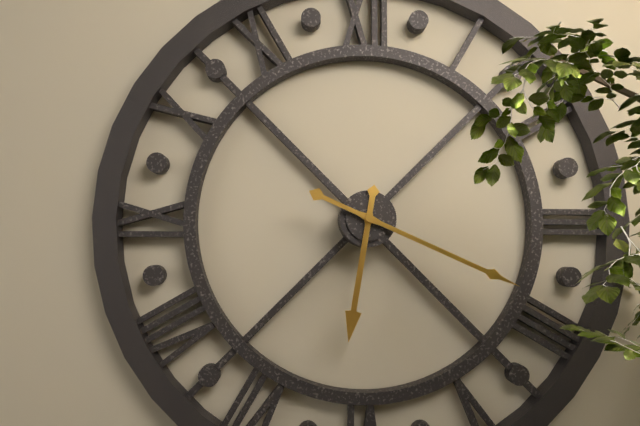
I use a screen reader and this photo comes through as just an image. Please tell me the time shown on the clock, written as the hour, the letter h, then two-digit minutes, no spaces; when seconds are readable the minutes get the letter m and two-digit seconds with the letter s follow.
6h19
